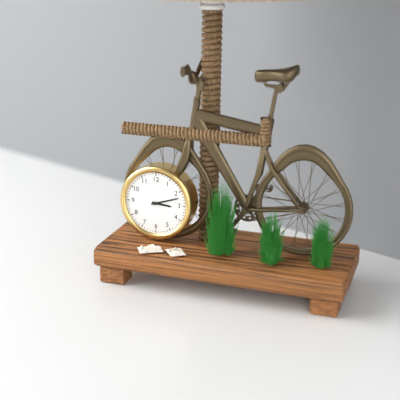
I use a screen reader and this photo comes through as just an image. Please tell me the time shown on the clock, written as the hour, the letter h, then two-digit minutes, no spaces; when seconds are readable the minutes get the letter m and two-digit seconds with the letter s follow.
3h12
